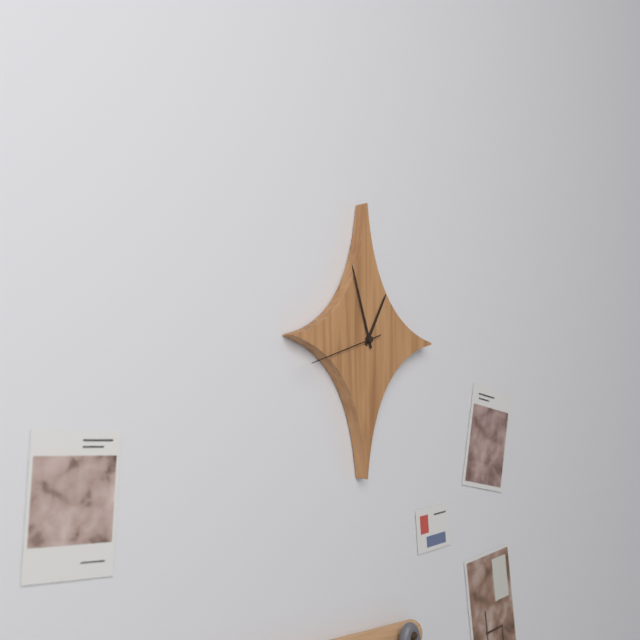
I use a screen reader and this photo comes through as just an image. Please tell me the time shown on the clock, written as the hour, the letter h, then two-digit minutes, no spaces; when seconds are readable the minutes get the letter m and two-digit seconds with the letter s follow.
12h57m42s
